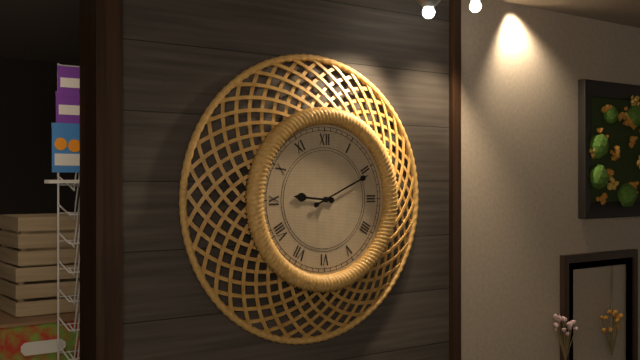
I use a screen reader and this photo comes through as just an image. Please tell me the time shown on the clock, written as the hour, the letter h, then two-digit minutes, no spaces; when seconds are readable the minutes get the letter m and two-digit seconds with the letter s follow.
9h11
